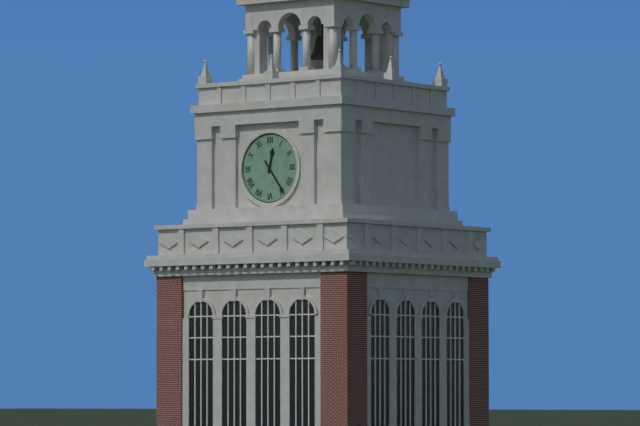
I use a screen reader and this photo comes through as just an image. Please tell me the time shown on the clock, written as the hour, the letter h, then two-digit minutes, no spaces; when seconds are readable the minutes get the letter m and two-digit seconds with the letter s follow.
12h24
